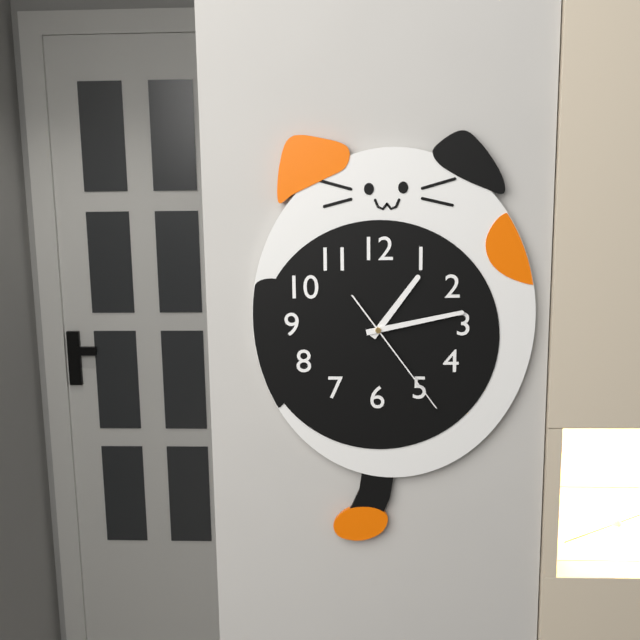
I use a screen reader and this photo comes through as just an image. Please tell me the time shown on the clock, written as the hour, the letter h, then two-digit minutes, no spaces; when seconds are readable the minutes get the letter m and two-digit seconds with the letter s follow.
1h13m24s
